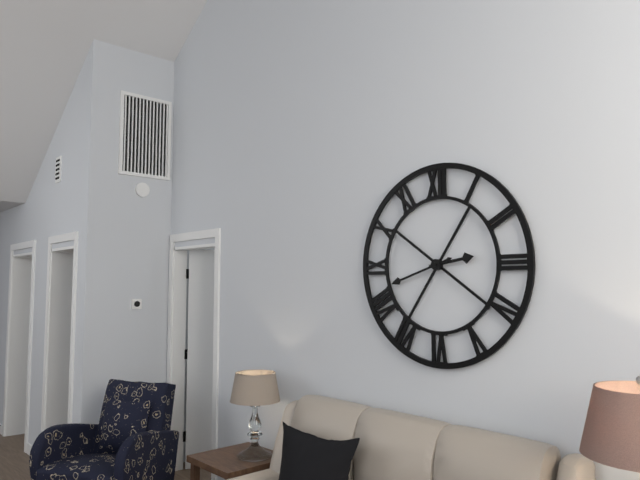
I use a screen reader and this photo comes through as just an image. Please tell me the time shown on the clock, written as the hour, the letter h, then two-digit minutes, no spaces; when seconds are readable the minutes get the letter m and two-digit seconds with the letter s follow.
2h42
